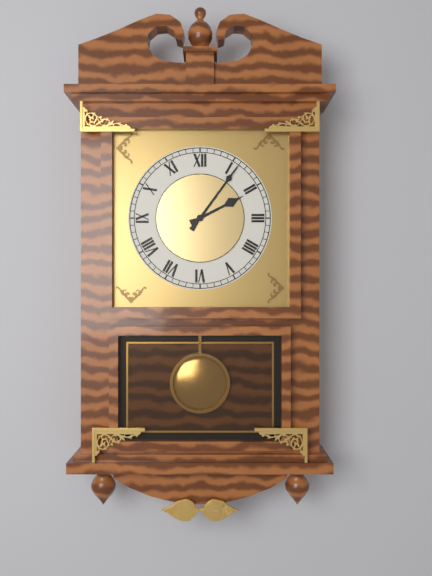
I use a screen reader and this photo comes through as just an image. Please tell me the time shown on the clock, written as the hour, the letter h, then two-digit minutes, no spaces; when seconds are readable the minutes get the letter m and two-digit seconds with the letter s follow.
2h06
